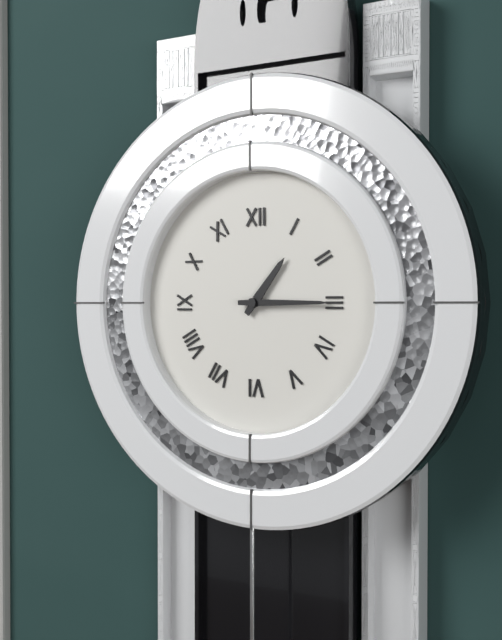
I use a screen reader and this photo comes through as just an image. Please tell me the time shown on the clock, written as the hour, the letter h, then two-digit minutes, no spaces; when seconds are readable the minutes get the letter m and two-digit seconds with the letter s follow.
1h15
